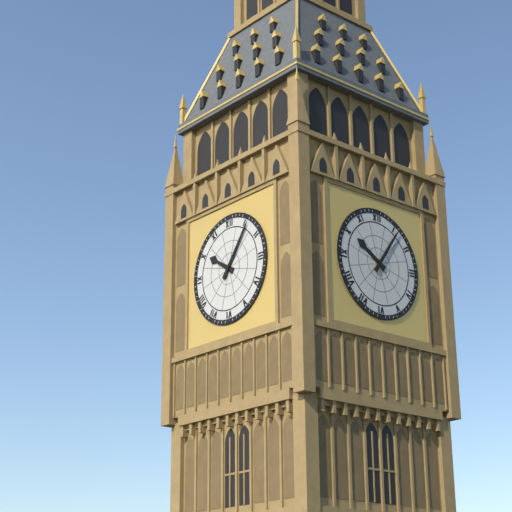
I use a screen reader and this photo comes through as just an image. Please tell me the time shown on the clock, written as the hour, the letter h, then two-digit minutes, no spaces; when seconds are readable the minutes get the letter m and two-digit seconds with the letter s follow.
10h06
